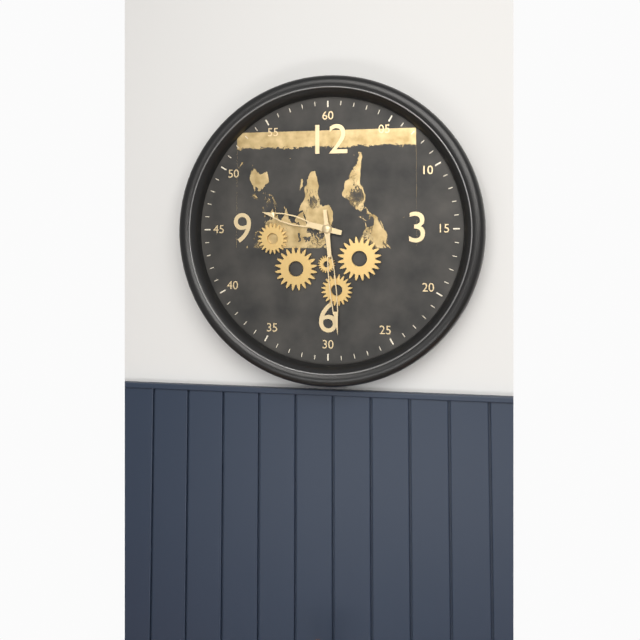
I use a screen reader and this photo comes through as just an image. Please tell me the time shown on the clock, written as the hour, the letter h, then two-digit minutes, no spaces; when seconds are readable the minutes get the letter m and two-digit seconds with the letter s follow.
9h29
